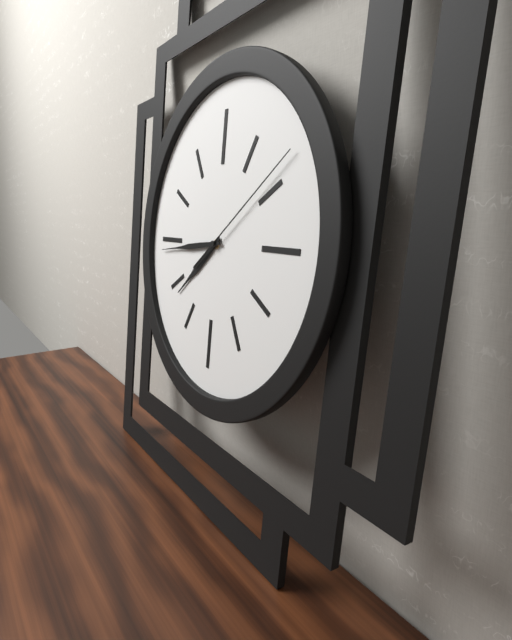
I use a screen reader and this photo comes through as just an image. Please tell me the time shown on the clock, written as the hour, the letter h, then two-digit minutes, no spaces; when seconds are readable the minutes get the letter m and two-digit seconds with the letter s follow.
7h44m09s
